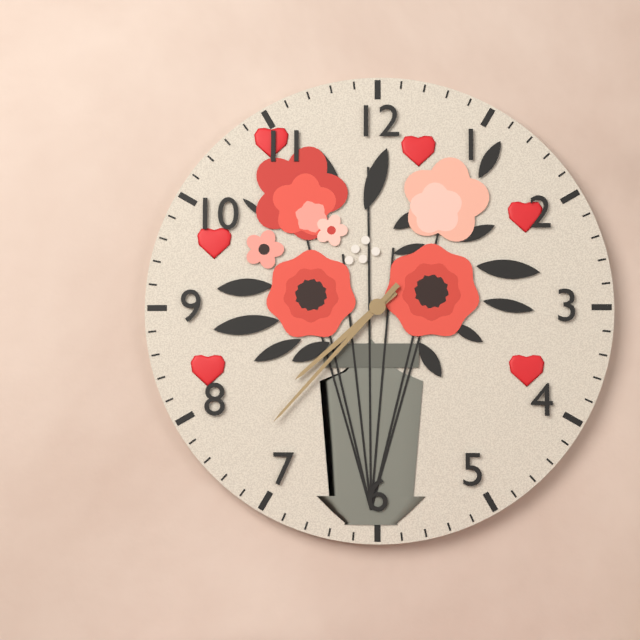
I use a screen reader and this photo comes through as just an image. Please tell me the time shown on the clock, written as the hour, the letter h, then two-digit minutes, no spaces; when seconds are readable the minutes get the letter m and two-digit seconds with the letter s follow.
7h37
